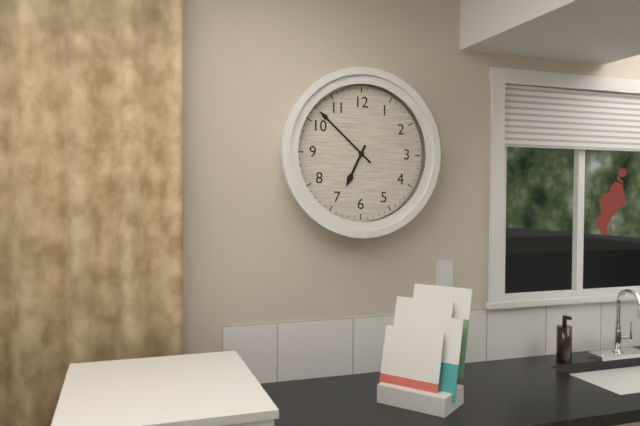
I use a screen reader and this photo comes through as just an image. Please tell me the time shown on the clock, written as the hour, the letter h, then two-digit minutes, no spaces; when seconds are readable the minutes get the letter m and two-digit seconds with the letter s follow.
6h52
